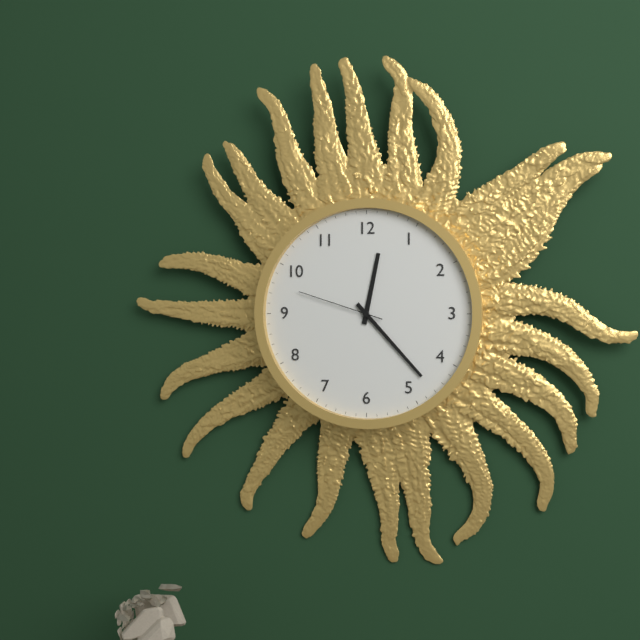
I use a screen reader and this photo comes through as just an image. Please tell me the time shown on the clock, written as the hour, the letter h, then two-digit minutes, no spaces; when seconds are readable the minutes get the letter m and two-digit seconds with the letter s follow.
12h23m48s
